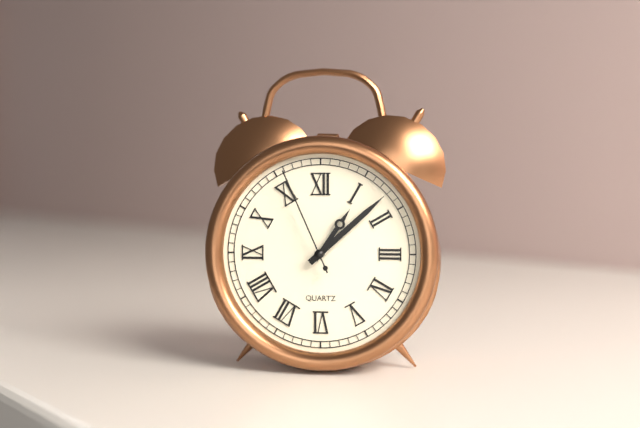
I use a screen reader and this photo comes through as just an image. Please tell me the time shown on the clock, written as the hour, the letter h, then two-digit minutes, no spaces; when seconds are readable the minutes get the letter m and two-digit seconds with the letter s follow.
1h08m56s
